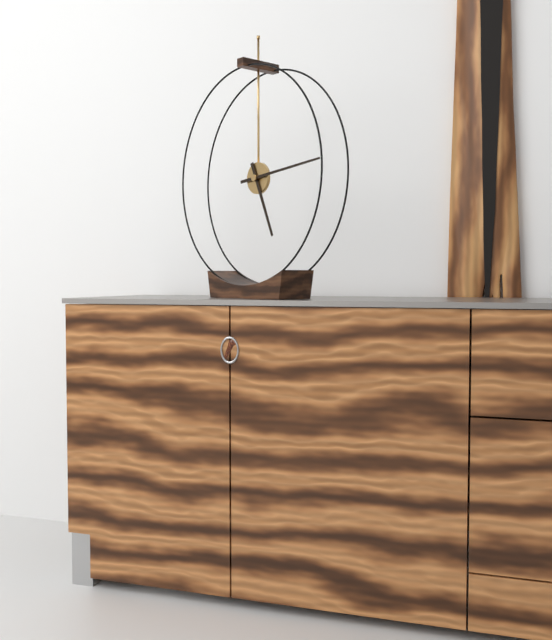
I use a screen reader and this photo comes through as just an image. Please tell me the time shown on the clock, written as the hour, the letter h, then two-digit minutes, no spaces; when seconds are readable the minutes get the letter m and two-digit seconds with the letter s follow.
5h14
